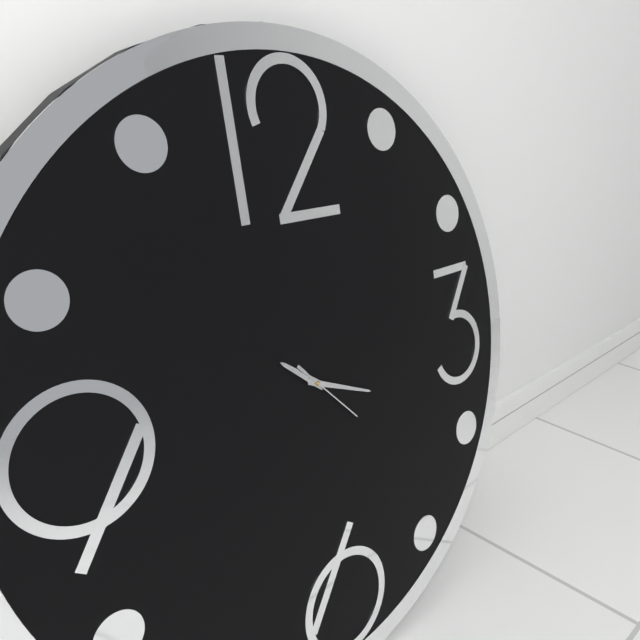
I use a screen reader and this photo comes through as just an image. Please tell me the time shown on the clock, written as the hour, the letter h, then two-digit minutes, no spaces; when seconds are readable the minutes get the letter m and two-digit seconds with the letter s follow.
10h19m23s
